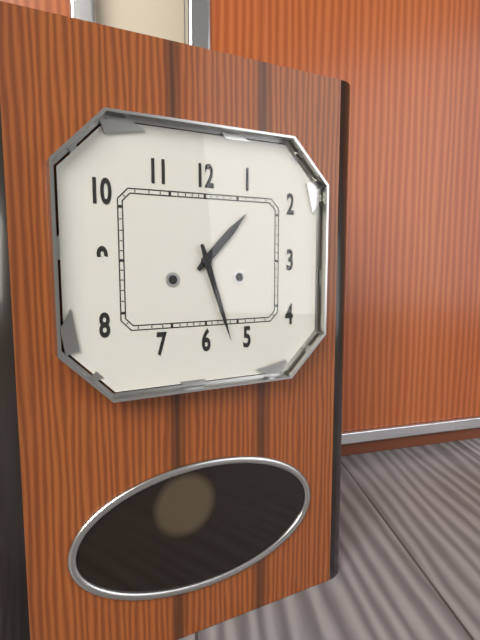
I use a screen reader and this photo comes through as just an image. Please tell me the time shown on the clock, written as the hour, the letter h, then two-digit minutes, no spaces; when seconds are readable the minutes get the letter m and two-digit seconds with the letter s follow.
1h27
